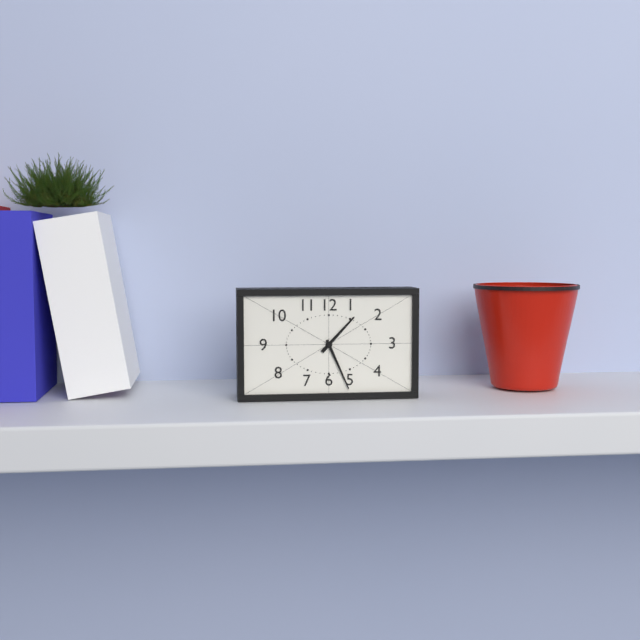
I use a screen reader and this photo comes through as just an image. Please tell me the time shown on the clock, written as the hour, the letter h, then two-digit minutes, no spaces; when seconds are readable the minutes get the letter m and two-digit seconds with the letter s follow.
1h26
